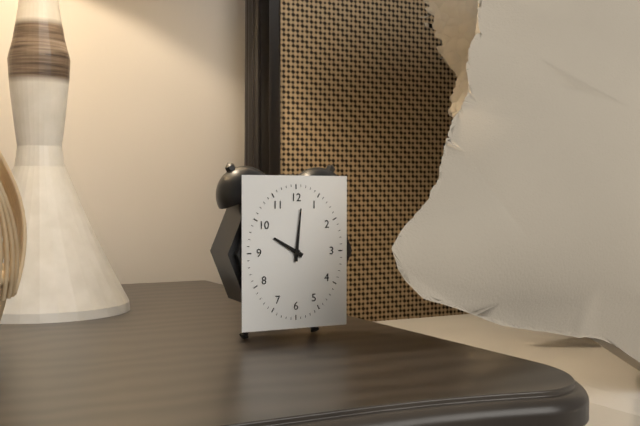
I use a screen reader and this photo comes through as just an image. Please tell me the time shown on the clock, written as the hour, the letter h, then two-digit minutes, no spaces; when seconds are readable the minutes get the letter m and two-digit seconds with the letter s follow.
10h01
